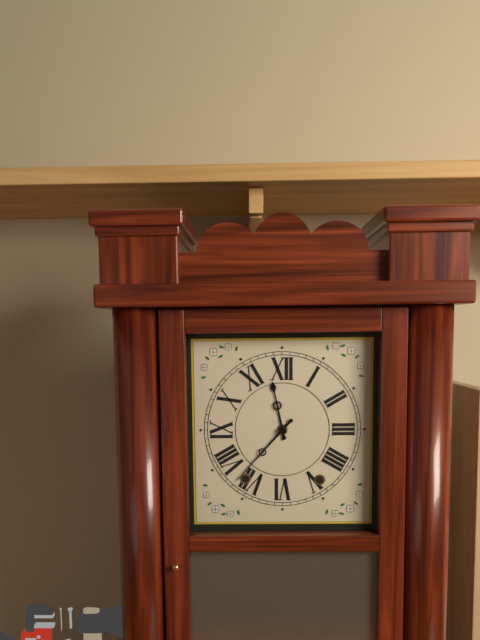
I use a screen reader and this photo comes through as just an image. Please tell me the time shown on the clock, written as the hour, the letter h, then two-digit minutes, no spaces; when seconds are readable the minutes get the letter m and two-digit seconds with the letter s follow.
11h37
